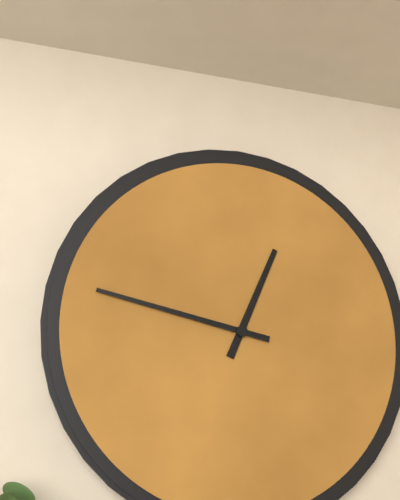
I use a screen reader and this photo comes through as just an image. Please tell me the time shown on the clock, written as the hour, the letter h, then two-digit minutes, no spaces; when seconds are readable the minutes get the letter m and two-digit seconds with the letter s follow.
12h47
